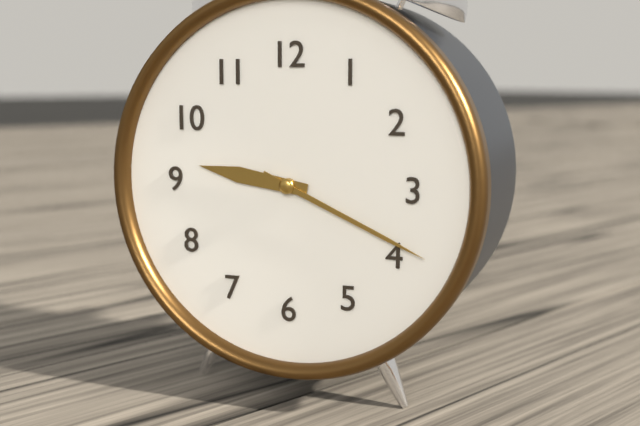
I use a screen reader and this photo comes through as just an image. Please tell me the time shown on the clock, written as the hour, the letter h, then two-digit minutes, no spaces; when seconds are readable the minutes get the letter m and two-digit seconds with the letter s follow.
9h19
